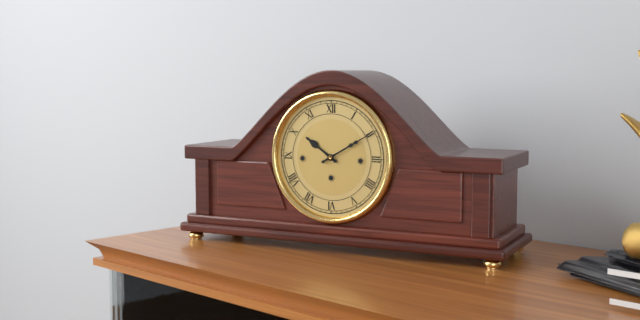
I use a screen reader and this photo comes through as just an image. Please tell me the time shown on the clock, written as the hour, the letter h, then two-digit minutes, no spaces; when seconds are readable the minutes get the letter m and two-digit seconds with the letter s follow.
10h10
